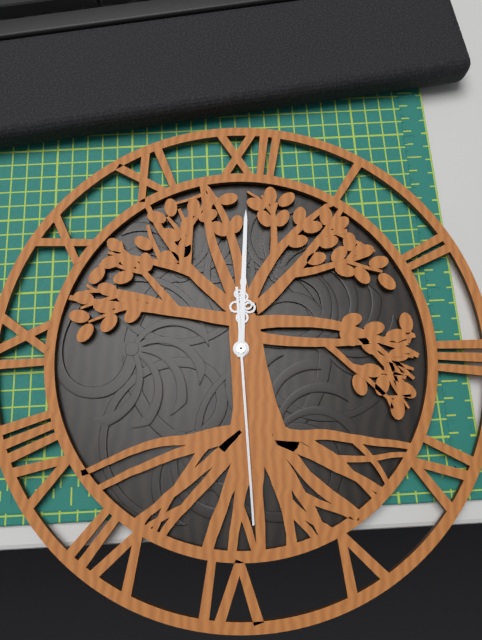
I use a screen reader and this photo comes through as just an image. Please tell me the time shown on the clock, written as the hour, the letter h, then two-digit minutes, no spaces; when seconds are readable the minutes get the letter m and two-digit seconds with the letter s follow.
12h00m29s
